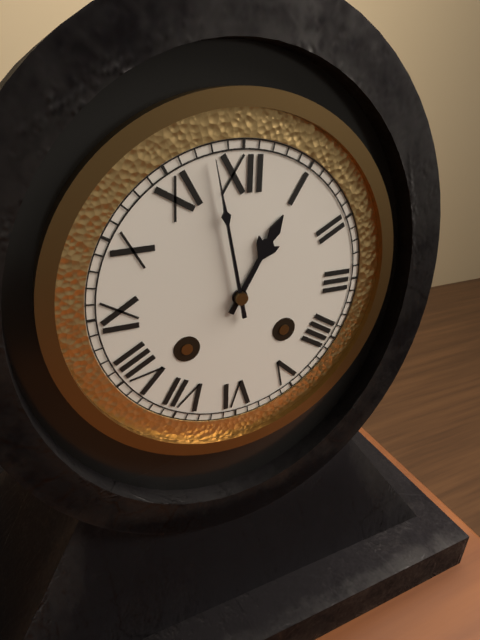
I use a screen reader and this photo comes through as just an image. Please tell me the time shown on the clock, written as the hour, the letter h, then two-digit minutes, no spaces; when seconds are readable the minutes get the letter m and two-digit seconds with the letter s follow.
12h58
